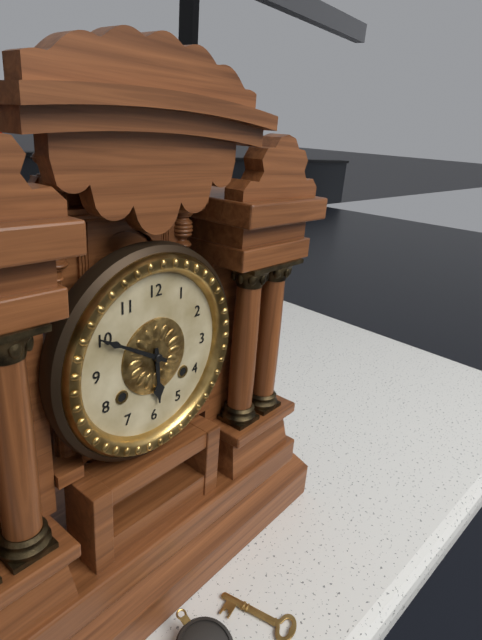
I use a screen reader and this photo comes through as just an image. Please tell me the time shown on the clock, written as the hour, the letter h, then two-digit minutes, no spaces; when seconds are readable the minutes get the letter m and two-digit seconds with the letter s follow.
5h50
